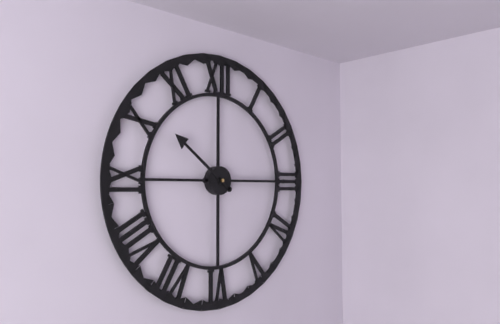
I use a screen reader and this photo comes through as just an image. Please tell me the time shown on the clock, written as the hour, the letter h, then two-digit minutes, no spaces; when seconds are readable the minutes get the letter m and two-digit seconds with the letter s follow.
10h15
